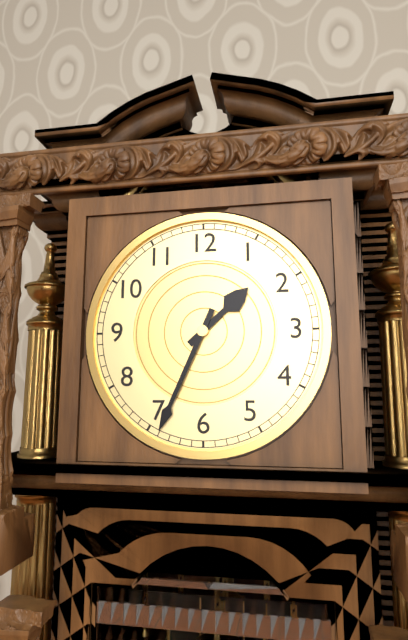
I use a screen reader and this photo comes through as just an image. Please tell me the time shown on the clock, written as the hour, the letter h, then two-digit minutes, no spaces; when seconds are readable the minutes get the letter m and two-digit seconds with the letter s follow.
1h34
